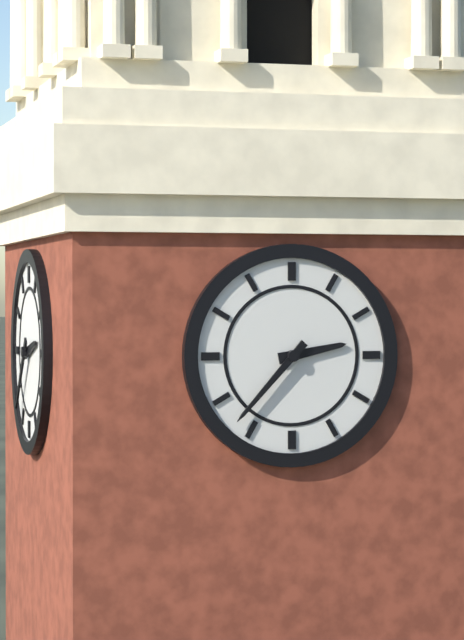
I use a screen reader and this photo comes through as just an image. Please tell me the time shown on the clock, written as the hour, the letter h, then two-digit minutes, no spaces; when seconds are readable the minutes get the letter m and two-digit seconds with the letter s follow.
2h37
